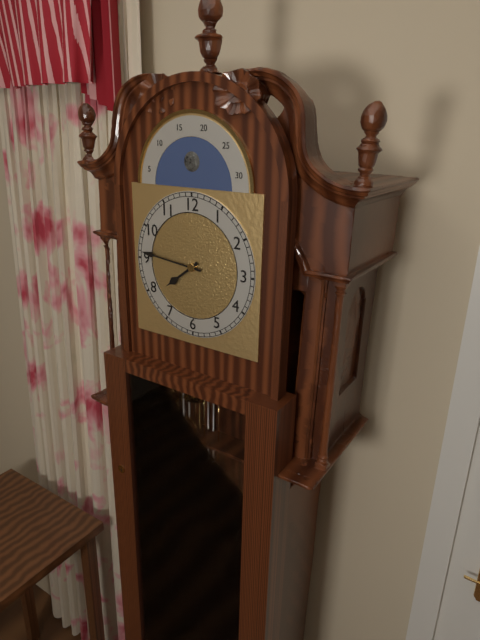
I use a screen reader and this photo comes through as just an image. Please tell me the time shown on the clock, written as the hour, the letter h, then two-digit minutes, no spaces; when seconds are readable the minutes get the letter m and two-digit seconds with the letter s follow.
7h46
